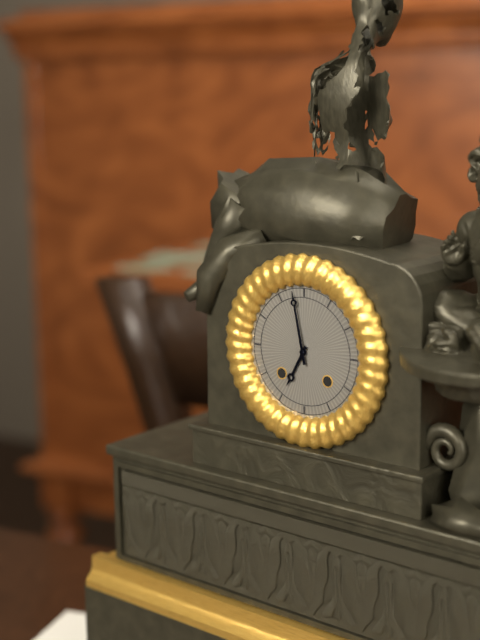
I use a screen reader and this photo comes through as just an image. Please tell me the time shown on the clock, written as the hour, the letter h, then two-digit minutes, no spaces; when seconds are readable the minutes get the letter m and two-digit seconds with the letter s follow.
6h58
